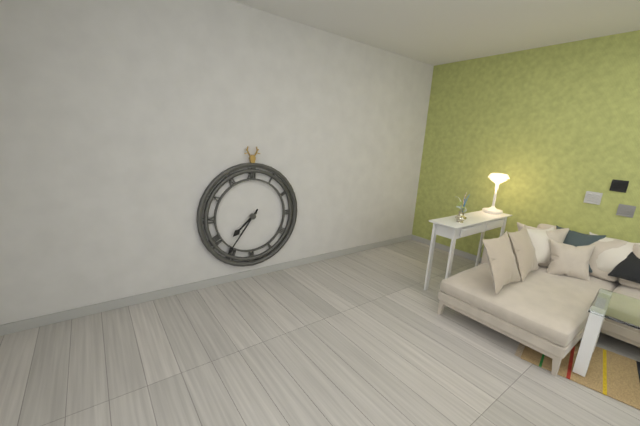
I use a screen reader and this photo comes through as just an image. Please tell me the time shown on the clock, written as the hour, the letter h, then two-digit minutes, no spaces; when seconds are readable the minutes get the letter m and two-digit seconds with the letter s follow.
7h36
